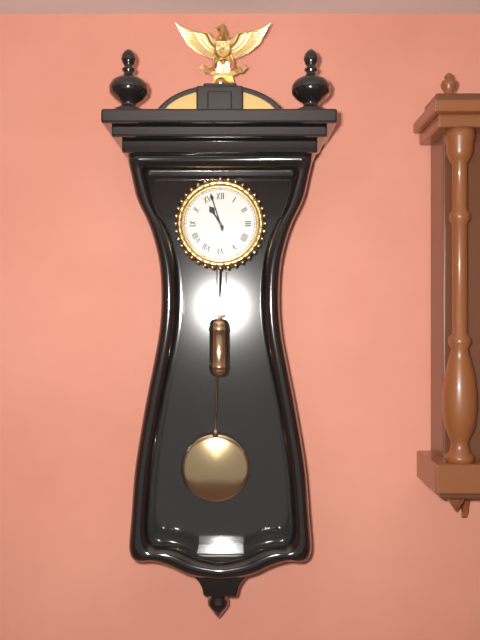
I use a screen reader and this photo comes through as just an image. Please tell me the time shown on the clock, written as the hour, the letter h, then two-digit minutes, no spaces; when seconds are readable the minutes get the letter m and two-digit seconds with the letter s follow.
10h57
